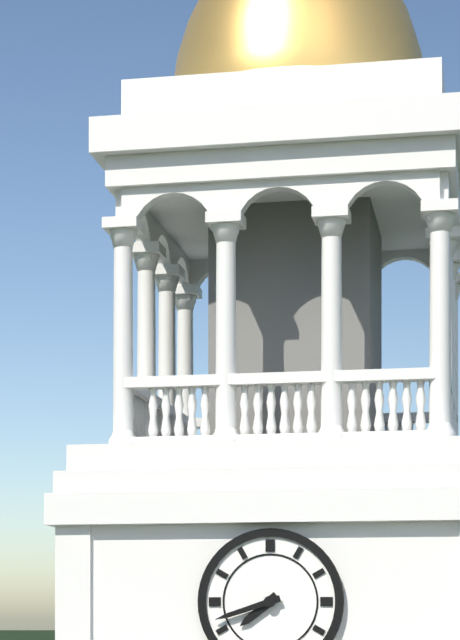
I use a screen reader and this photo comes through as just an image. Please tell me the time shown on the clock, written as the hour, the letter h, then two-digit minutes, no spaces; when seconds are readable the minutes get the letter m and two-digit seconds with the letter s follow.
7h42
